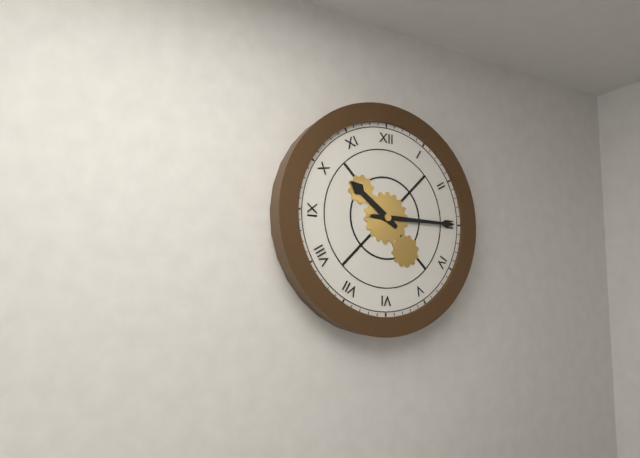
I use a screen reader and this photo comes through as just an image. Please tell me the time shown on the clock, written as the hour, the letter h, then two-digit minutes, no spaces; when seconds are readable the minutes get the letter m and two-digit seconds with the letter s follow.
10h15
